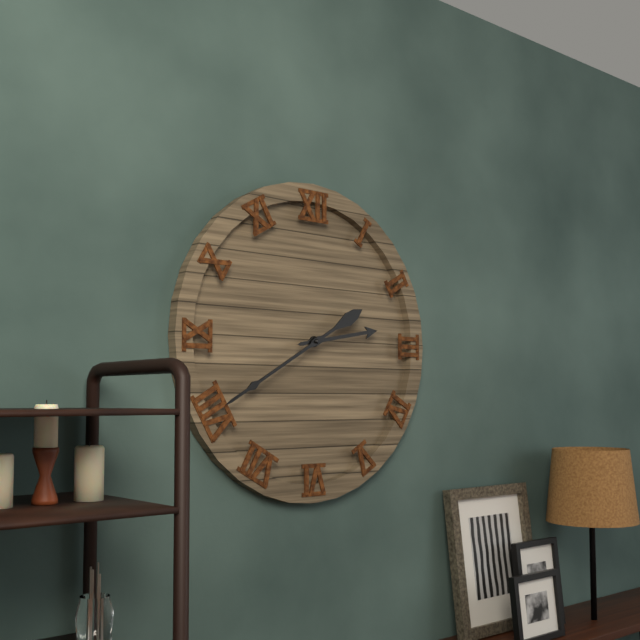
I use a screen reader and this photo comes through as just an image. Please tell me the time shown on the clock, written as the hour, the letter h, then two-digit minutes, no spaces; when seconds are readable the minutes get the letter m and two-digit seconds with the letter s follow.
2h40
